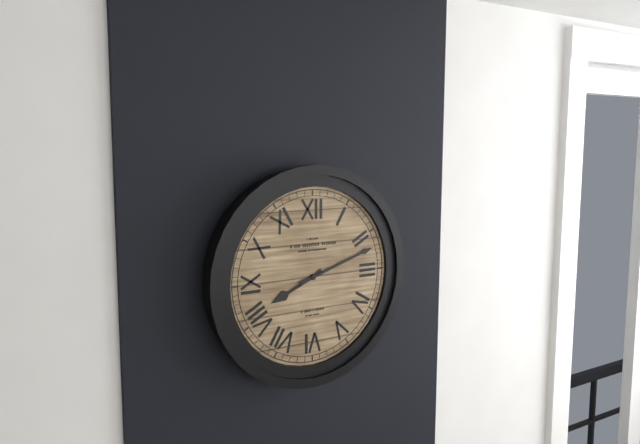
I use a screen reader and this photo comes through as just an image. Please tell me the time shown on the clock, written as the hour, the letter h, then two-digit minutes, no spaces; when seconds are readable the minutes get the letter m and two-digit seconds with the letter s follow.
8h12
